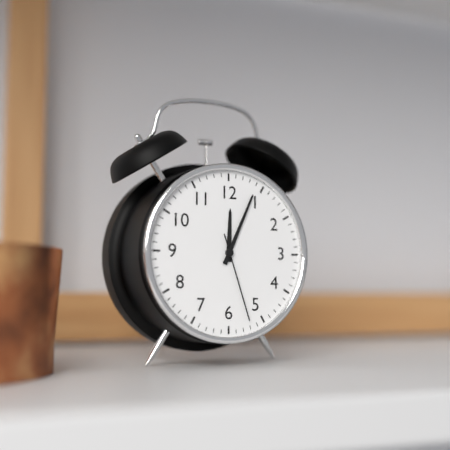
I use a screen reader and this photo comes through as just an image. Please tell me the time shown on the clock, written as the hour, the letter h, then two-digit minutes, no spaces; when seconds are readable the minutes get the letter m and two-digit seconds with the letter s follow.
12h04m27s
